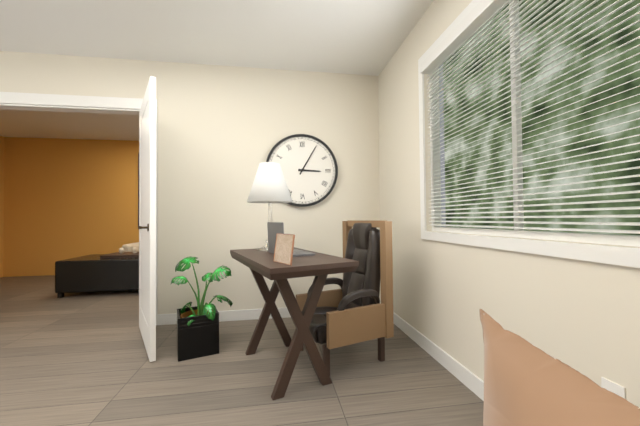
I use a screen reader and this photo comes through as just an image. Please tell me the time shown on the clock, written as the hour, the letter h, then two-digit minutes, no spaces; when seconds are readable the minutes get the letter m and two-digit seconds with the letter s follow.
3h05
